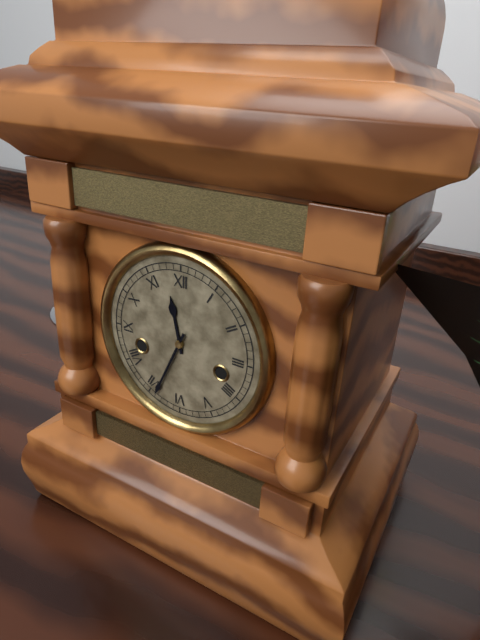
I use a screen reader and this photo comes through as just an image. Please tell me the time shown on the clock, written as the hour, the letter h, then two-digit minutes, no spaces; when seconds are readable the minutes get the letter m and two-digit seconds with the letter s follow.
11h34
